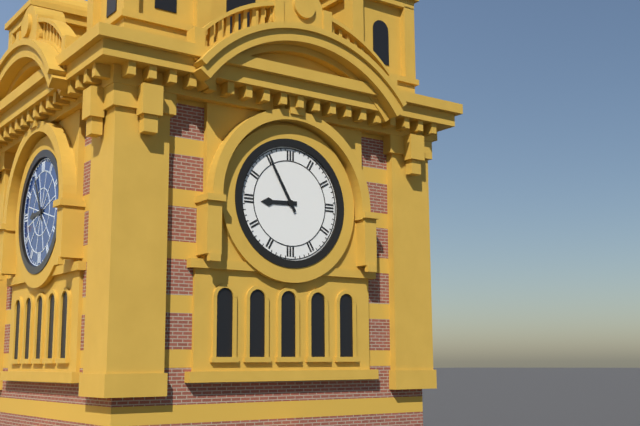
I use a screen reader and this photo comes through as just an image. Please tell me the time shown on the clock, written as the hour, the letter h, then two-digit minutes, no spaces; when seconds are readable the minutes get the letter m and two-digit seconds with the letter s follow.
8h55
